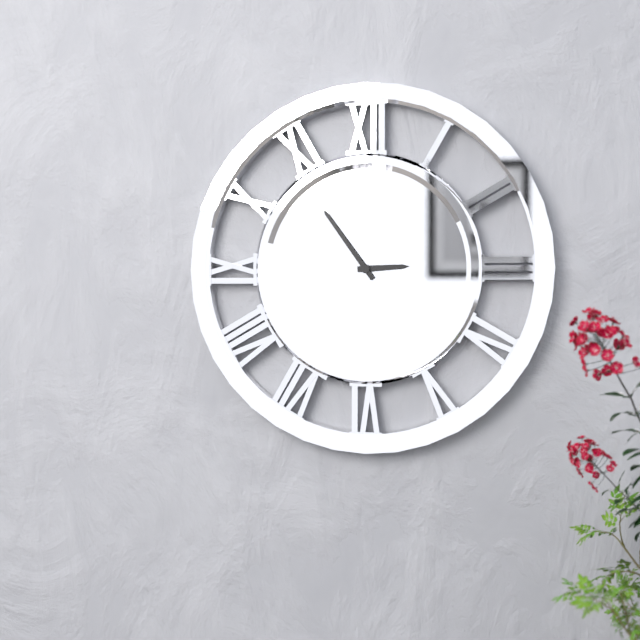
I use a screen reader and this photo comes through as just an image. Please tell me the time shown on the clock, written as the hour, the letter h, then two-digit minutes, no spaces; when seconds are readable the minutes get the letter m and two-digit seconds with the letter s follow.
2h54
